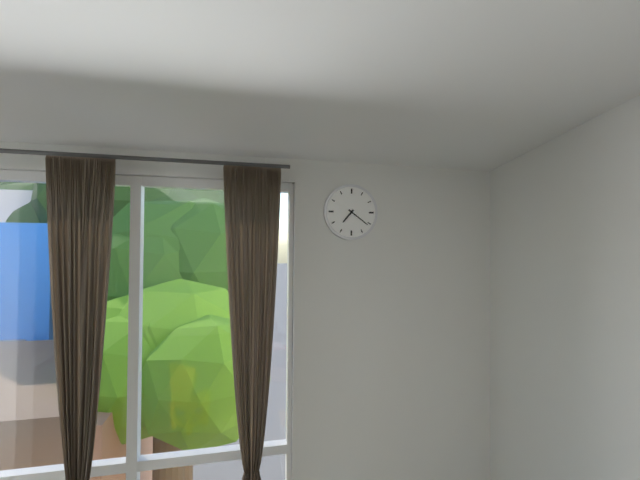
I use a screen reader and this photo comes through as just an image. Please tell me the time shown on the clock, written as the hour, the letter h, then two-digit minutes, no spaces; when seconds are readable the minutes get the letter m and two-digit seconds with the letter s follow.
7h21
